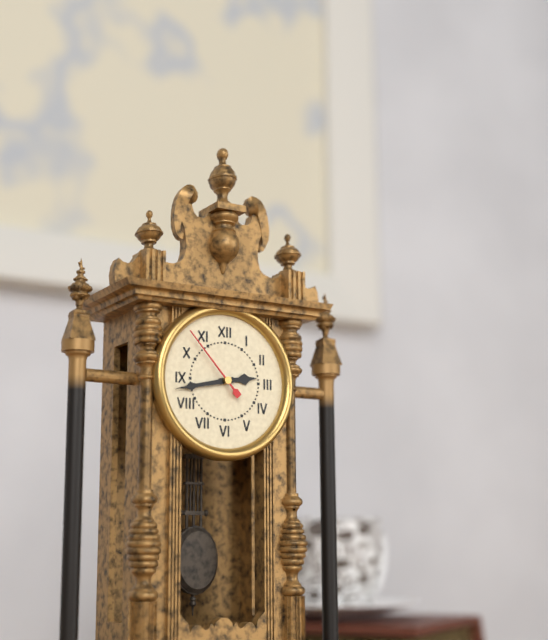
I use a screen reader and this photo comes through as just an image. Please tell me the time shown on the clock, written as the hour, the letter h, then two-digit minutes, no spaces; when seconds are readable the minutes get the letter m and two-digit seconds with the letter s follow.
2h43m53s
